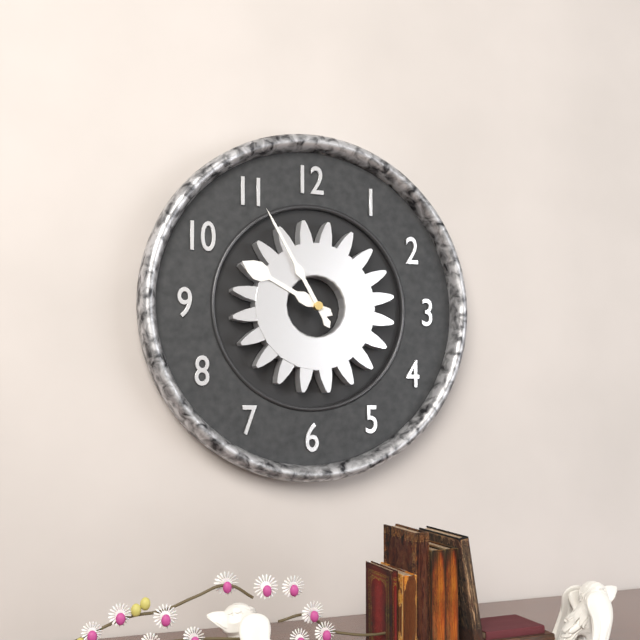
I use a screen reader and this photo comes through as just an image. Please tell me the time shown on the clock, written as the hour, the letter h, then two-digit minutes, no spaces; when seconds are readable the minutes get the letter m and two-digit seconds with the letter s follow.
9h55
